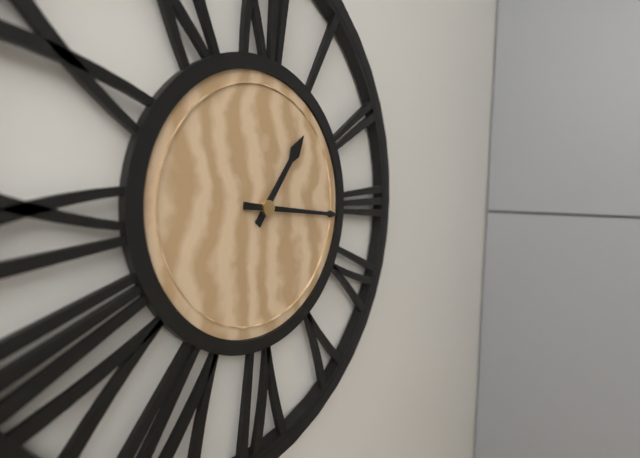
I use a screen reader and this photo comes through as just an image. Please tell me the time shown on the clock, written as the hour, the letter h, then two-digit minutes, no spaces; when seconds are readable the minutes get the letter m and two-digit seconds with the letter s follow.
1h16
